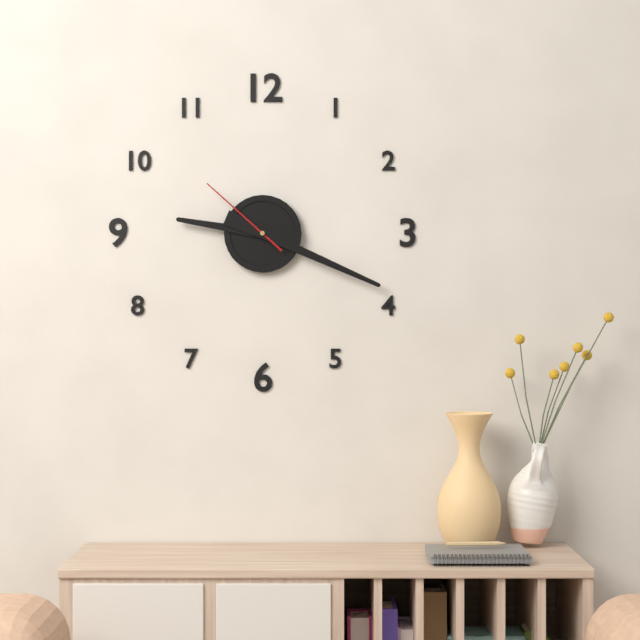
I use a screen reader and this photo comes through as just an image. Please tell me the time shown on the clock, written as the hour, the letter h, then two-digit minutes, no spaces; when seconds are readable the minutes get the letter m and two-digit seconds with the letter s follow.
9h19m52s
